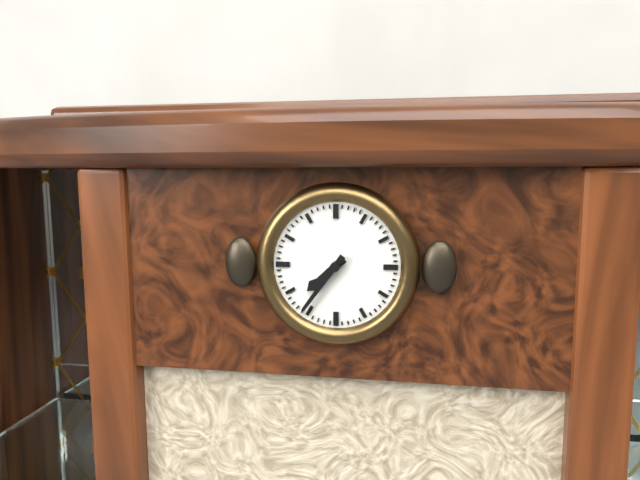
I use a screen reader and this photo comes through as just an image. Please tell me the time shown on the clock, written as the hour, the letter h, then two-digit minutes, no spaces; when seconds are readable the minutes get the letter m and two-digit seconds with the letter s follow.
7h36
